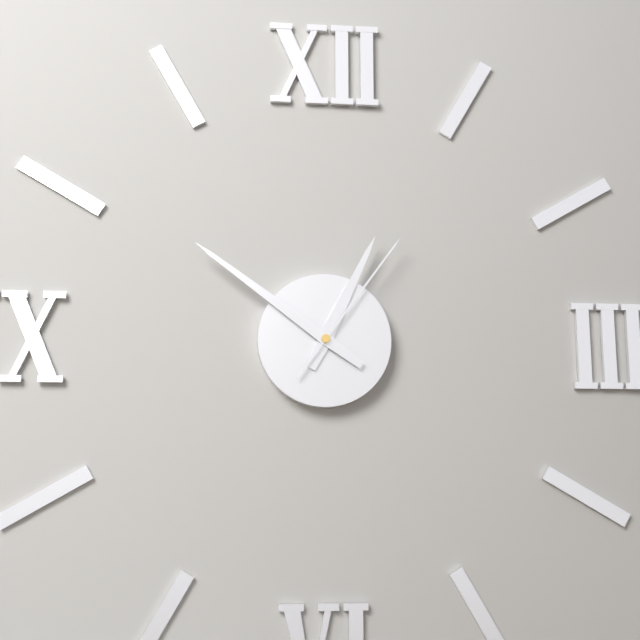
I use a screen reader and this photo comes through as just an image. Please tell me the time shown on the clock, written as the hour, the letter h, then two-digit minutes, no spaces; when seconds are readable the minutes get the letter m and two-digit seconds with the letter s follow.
12h51m06s
